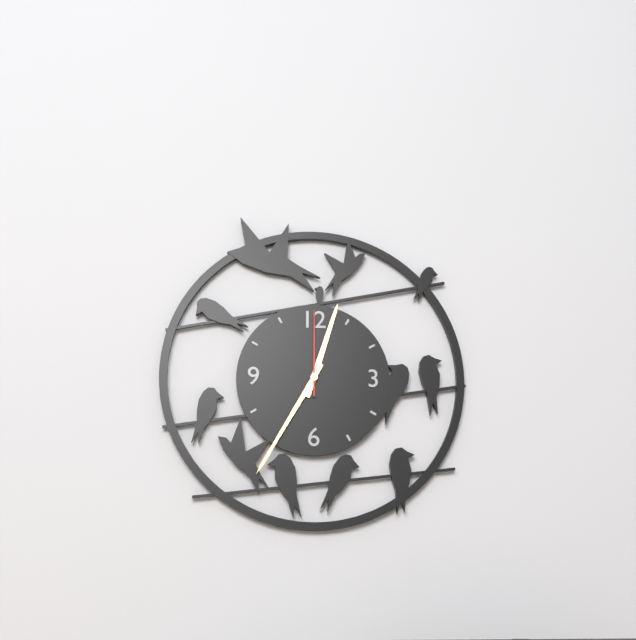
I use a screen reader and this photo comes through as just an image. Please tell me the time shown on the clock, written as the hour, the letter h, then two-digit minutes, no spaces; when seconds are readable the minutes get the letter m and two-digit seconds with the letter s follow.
12h35m00s
